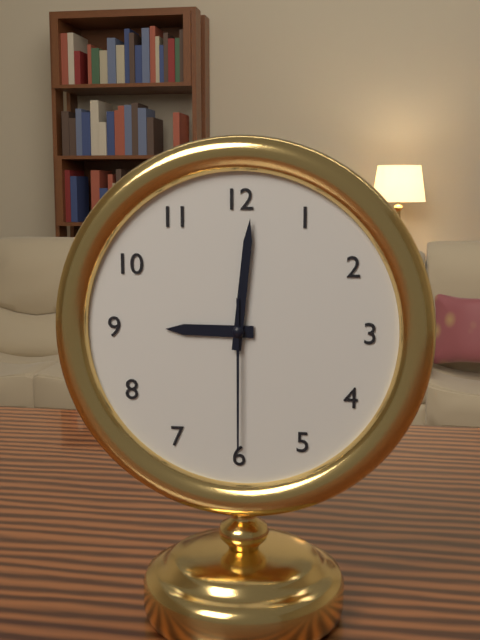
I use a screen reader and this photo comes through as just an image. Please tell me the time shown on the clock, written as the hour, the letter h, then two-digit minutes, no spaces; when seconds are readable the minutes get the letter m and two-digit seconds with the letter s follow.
9h01m30s
